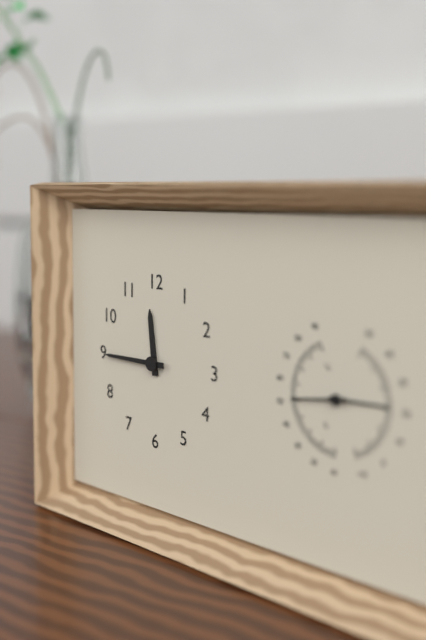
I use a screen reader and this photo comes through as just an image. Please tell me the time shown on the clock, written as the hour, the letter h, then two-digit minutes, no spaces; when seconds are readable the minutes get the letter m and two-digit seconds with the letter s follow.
11h45
